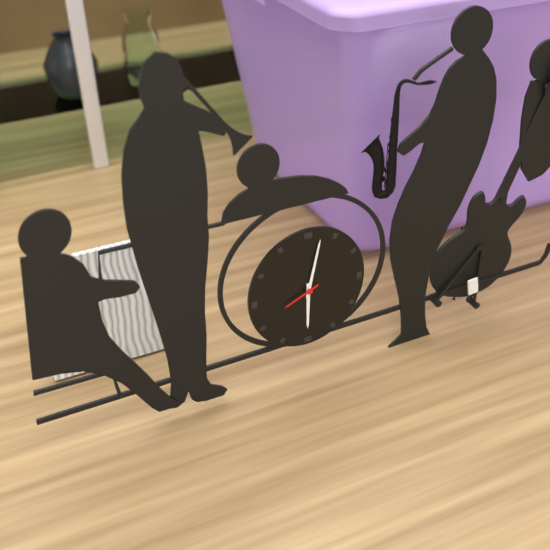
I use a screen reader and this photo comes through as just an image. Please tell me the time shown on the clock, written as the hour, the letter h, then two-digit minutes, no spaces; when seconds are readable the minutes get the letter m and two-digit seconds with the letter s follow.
6h02
